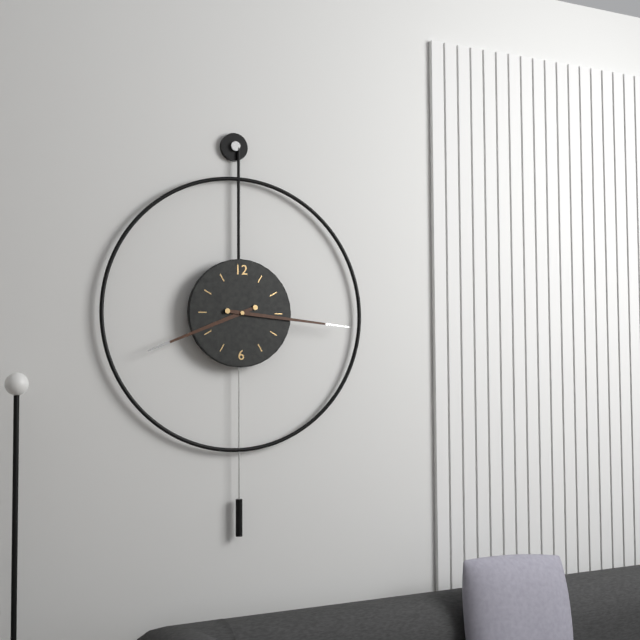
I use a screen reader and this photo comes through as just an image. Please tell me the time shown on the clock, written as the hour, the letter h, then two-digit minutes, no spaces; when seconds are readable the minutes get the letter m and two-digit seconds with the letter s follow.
8h16
